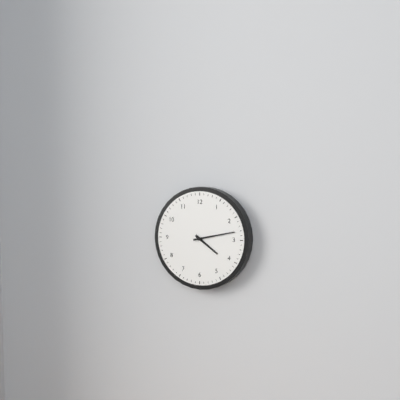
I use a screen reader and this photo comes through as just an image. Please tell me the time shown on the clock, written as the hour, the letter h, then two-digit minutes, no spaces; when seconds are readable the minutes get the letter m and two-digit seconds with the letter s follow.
4h13
